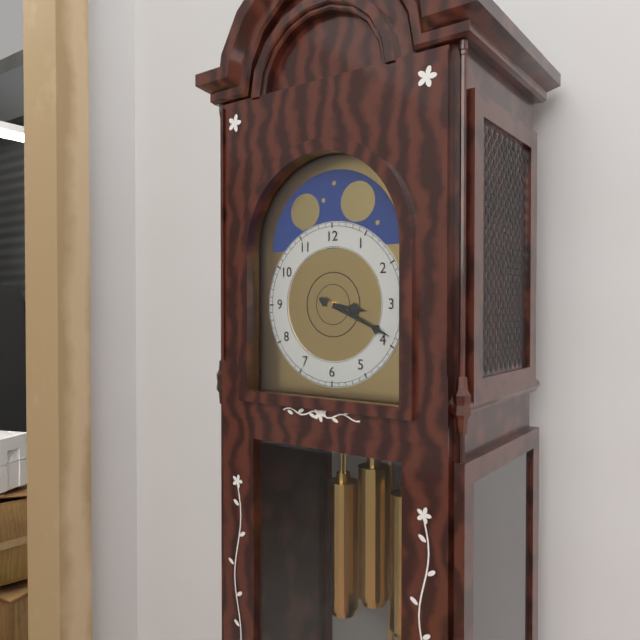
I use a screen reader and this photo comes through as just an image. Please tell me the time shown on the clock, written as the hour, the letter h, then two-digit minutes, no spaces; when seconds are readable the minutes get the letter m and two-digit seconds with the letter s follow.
3h19
